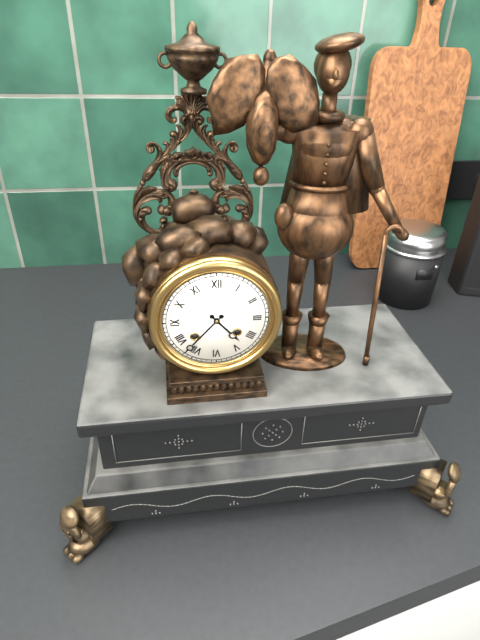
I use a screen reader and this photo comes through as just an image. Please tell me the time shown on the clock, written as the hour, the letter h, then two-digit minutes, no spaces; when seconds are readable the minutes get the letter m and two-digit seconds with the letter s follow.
4h37
